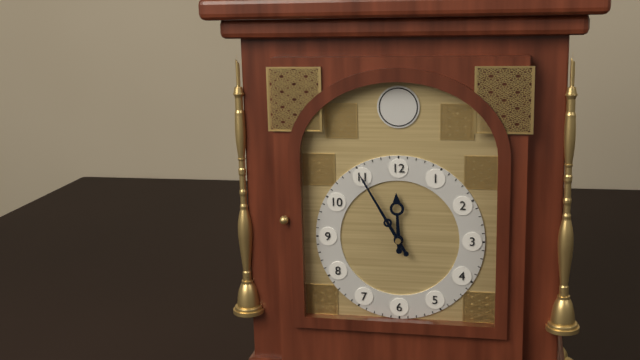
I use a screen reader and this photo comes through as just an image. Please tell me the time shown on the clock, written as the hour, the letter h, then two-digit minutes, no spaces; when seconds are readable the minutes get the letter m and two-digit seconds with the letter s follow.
11h55
